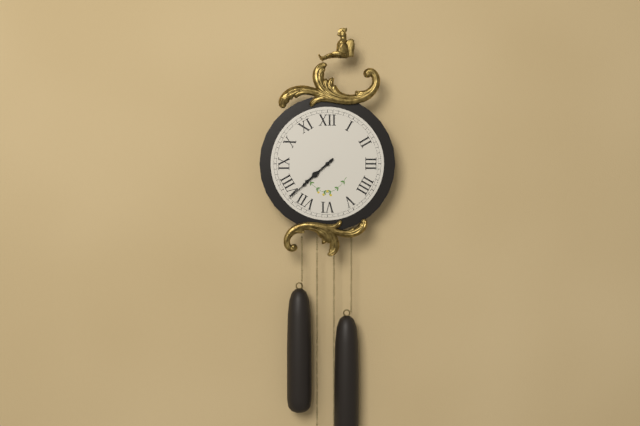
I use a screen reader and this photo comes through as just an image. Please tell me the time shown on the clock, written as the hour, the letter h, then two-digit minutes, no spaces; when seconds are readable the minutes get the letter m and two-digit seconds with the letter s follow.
7h38
